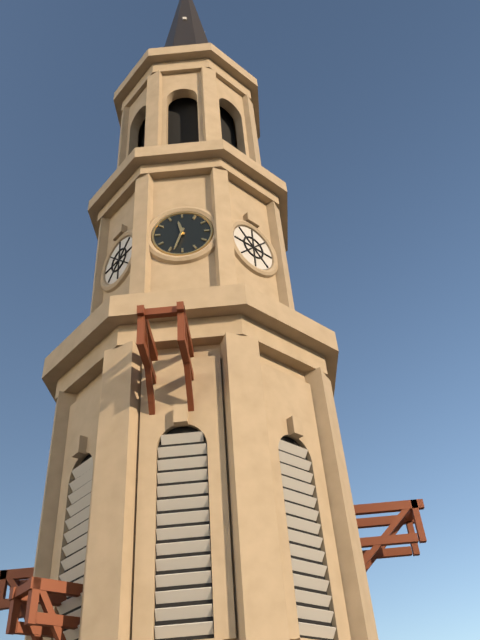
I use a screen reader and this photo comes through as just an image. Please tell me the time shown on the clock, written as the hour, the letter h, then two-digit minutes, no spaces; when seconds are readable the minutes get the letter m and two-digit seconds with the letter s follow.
11h33
